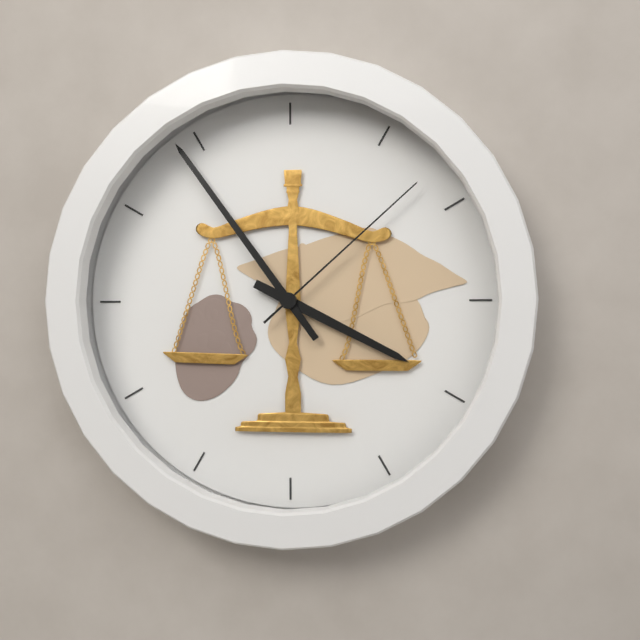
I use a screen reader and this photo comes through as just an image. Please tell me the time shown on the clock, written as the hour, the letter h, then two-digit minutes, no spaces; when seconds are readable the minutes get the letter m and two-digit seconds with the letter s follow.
3h54m08s
